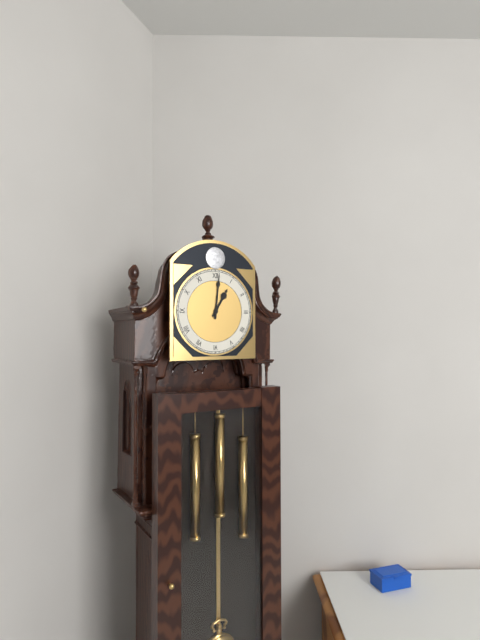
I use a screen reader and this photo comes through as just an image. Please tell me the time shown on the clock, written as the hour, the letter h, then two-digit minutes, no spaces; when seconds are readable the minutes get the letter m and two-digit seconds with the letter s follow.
1h01
